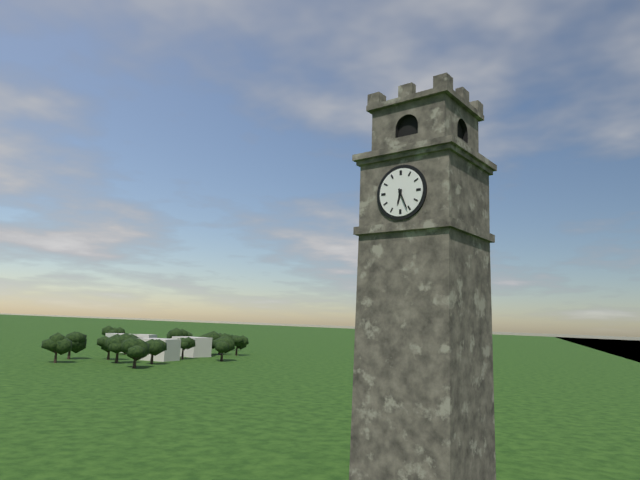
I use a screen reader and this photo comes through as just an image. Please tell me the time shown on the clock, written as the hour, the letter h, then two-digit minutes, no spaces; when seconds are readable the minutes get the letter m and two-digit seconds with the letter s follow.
6h26
